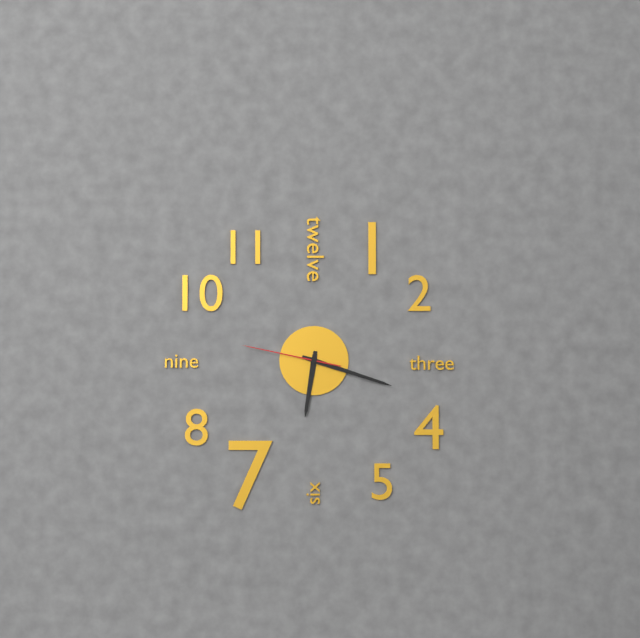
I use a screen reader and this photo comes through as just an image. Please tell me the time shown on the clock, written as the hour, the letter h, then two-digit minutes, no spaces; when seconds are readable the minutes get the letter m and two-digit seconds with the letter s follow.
6h18m47s
